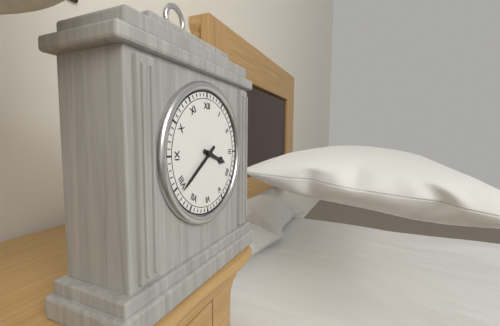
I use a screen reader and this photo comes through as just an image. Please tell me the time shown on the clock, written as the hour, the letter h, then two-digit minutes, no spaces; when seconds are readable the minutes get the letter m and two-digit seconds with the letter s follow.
3h39
